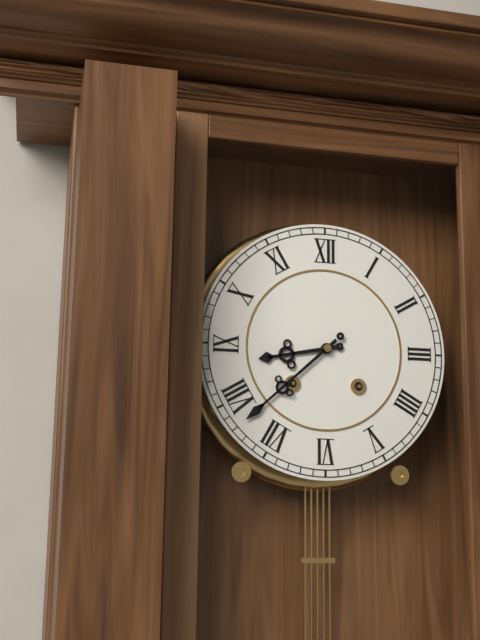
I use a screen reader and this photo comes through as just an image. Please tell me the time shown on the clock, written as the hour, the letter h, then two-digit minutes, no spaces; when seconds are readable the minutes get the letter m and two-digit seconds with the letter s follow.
8h38
